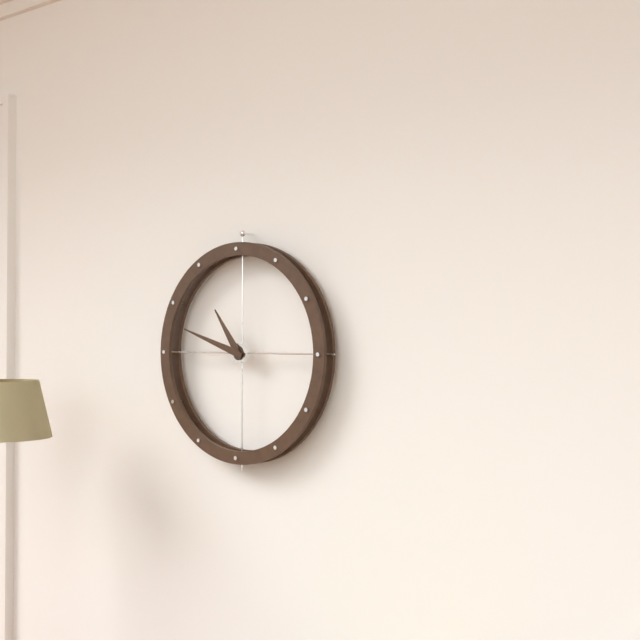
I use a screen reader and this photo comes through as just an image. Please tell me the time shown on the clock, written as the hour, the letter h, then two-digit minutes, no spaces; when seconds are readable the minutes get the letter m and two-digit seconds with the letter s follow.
10h48
